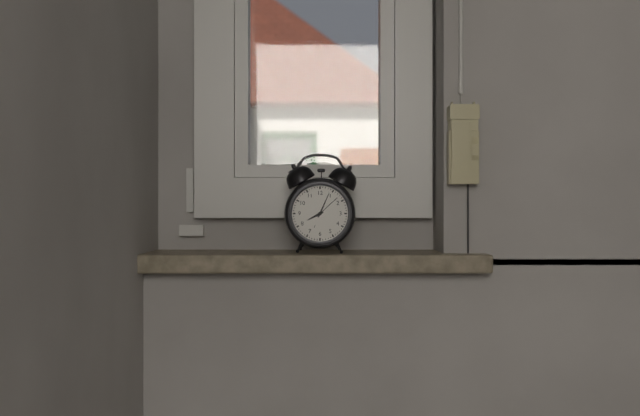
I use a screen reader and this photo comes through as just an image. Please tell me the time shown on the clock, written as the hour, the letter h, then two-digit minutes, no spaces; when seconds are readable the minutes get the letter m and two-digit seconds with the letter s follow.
8h04
